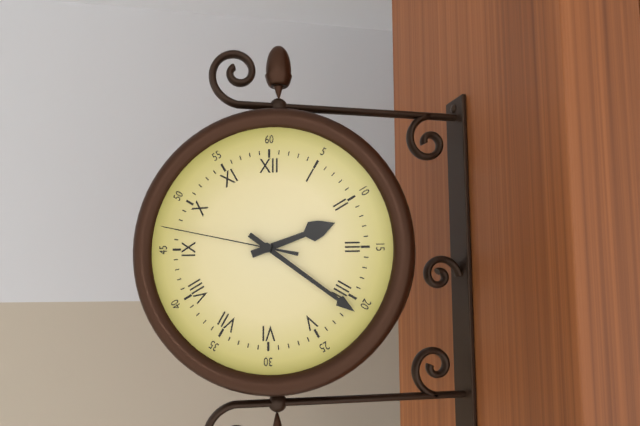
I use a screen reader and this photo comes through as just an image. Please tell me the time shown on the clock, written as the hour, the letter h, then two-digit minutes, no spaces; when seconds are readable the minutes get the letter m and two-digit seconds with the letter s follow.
2h21m47s
